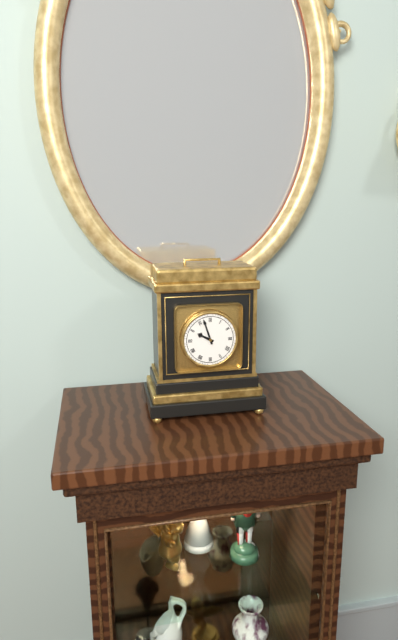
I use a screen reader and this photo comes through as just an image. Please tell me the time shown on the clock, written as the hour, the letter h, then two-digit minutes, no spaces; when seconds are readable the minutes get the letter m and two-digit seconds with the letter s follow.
9h57
